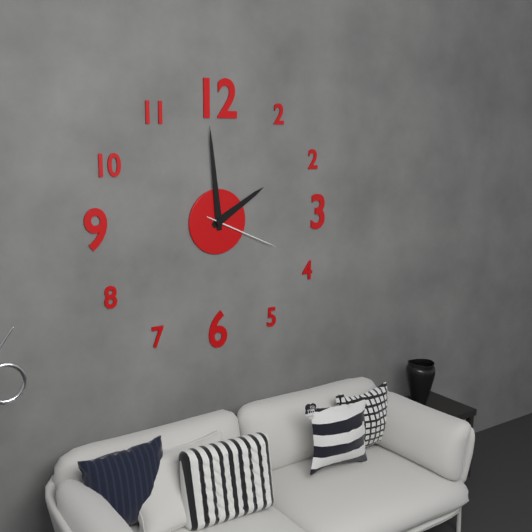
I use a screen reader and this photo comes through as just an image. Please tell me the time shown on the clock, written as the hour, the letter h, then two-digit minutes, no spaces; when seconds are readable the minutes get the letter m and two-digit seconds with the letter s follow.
1h59m19s
